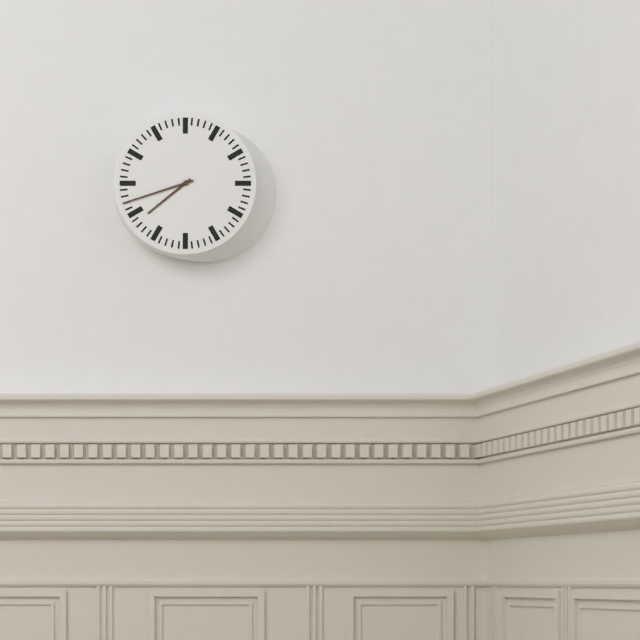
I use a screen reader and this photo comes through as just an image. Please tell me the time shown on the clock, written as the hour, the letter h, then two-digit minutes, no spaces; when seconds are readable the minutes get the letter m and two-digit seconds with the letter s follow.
7h42
